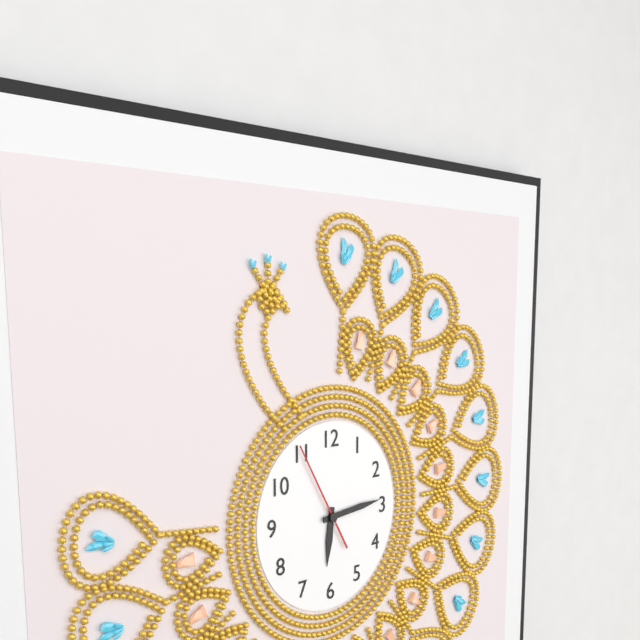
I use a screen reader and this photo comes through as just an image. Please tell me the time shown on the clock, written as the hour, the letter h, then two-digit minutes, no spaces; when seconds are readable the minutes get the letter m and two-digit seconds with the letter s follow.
6h14m55s
